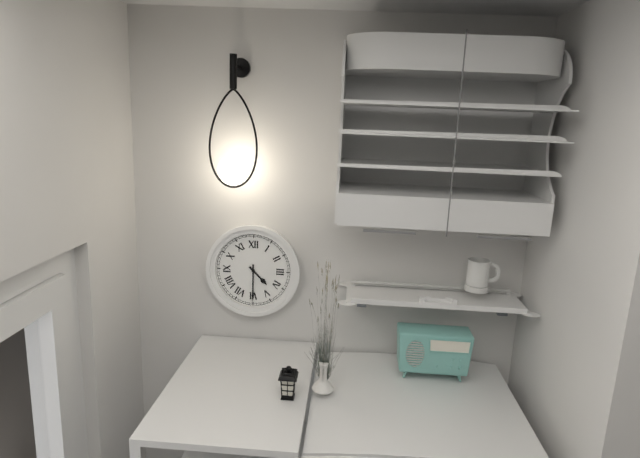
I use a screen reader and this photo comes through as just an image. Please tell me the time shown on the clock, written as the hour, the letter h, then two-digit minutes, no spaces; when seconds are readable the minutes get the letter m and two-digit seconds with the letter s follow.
4h30
